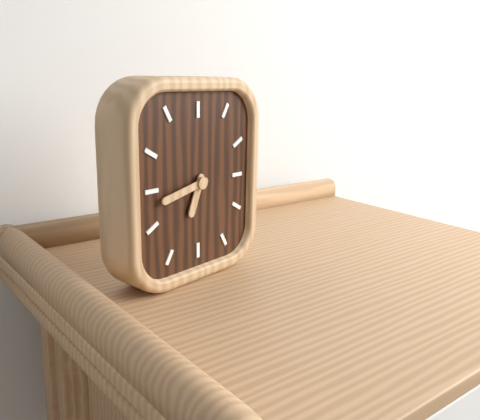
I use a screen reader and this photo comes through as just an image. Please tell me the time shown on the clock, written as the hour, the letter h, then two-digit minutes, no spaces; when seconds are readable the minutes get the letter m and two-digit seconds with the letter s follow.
6h43
